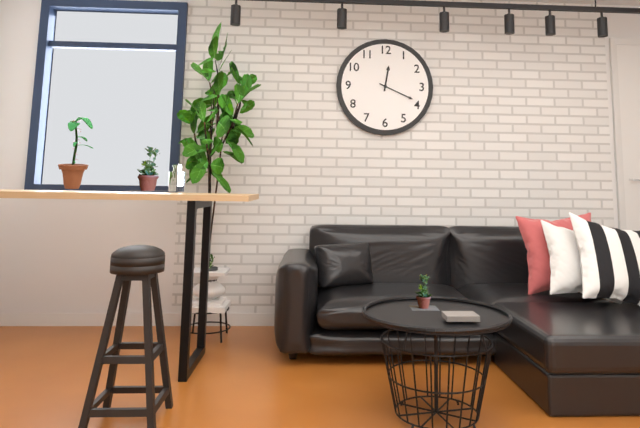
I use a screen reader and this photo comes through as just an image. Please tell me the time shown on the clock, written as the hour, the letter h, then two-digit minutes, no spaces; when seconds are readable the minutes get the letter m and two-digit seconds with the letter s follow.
12h19
